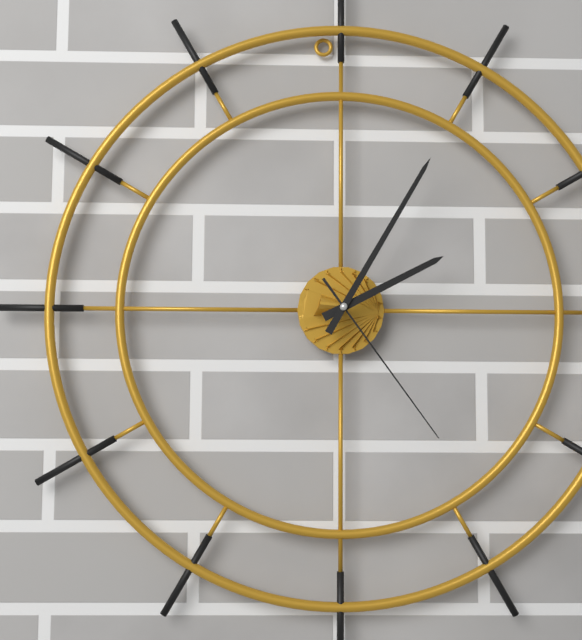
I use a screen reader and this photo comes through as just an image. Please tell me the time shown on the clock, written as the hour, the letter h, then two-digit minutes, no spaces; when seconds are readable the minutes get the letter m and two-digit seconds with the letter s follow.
2h05m24s
